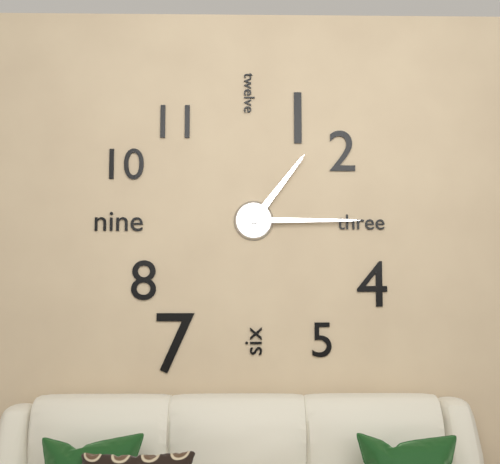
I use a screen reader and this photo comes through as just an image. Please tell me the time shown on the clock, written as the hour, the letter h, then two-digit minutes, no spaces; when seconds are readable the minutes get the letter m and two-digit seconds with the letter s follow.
1h15
